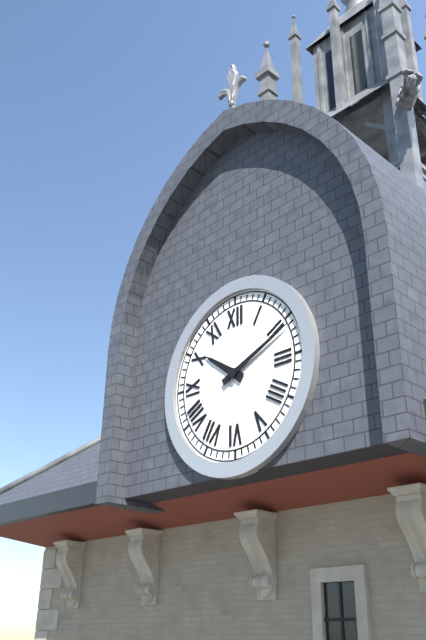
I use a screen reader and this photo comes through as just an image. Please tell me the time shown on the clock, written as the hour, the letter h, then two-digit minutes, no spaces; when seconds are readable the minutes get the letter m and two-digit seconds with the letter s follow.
10h11
